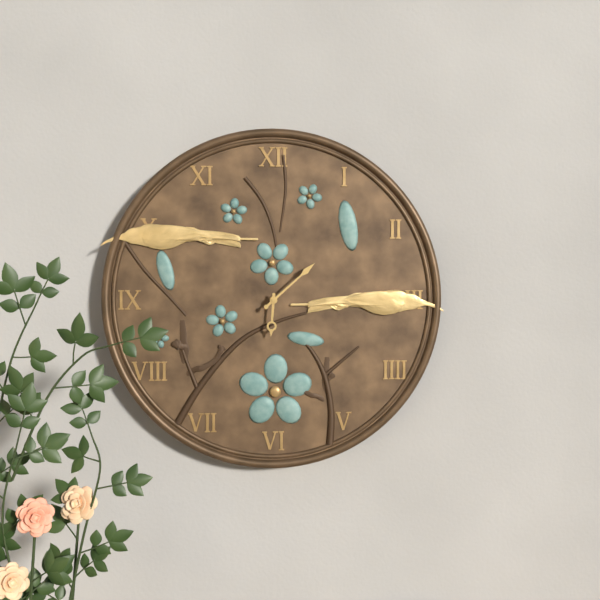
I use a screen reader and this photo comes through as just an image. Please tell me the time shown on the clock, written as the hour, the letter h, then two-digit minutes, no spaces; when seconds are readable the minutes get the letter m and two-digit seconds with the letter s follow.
6h08
